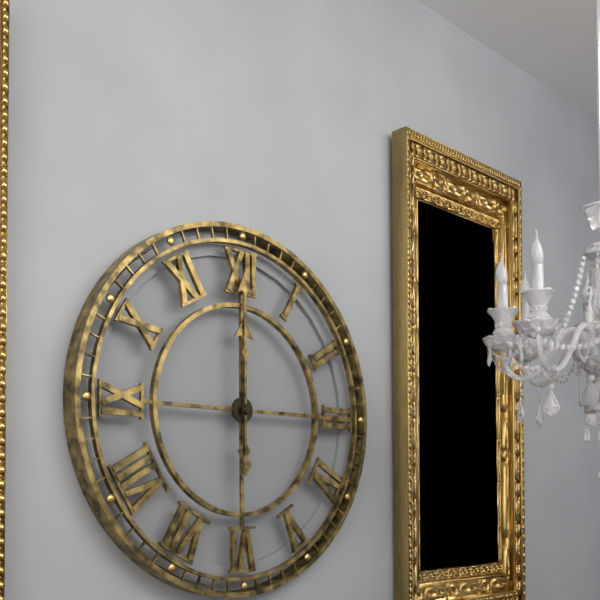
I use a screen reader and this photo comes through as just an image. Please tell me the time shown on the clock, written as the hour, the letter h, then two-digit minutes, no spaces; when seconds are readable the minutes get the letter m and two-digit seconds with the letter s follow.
12h00
